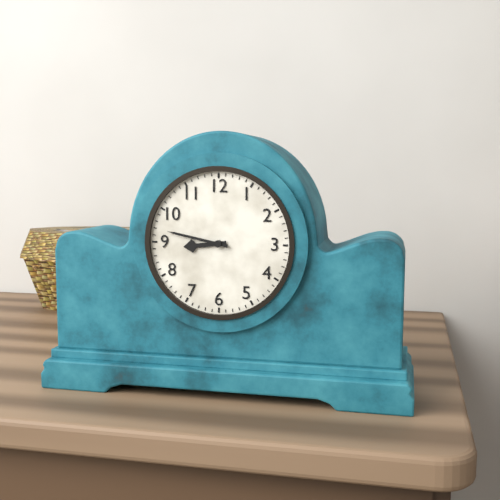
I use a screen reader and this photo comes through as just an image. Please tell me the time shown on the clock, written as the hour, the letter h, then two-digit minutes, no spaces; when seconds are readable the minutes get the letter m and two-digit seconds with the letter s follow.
8h47
